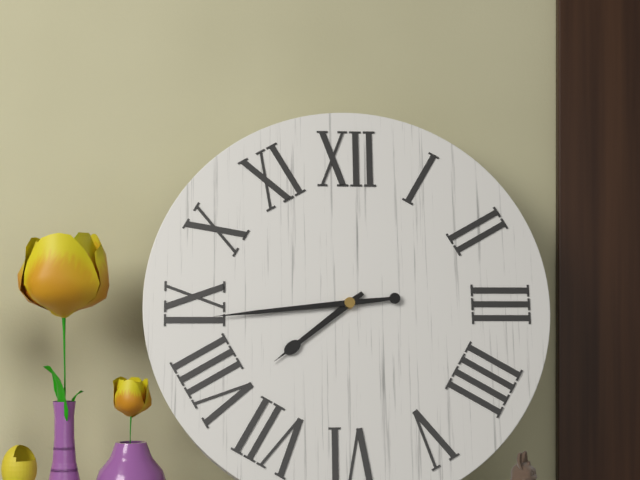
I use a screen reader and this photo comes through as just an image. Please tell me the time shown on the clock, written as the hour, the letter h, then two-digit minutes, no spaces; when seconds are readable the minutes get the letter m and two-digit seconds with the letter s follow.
7h44
